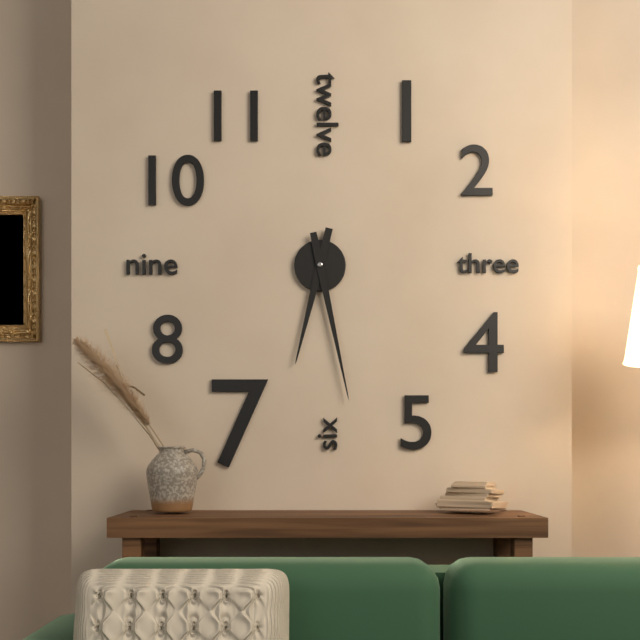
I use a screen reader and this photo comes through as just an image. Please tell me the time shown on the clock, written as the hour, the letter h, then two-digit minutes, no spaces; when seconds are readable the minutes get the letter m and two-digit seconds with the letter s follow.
6h28
